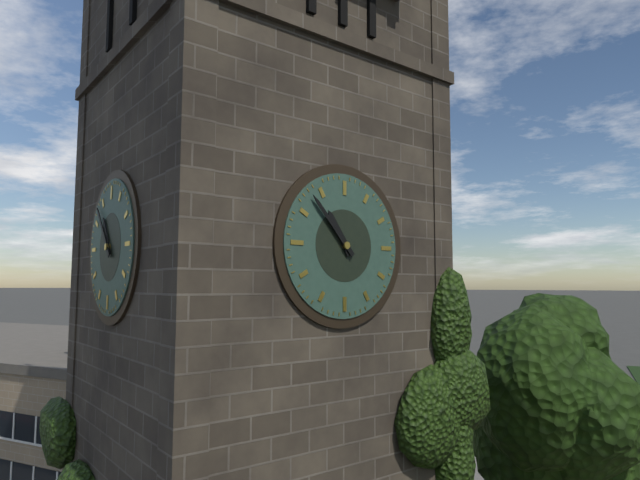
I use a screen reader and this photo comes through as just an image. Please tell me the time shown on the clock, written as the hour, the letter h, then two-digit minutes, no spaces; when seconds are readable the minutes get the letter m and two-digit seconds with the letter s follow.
10h53
